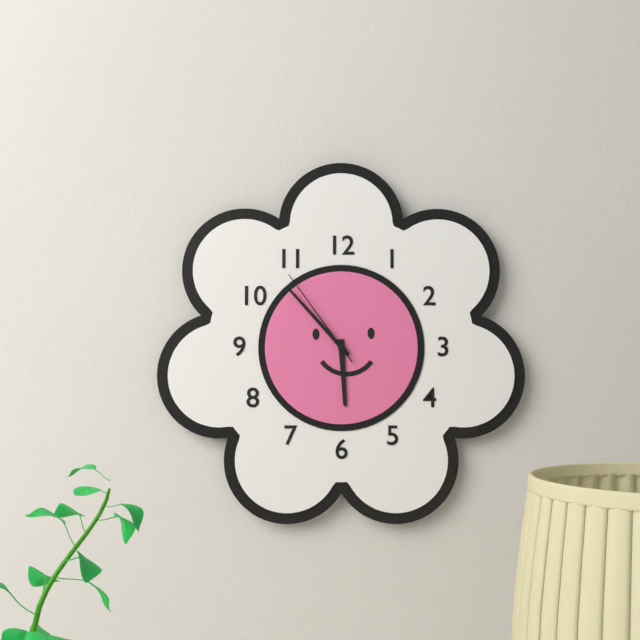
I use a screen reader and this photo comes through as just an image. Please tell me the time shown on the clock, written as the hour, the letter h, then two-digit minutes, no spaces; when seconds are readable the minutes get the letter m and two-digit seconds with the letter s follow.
5h53m54s
